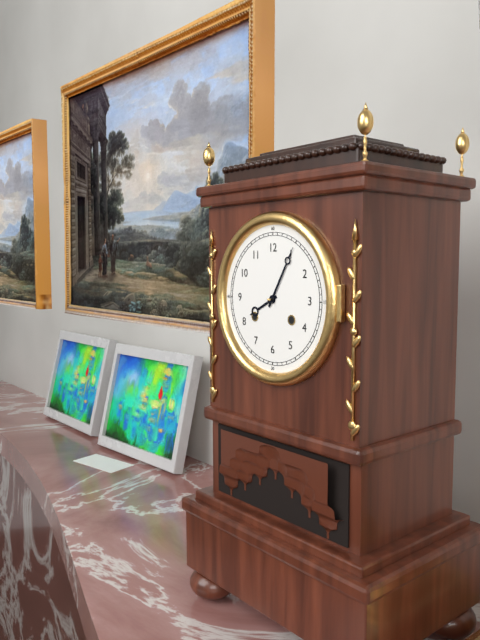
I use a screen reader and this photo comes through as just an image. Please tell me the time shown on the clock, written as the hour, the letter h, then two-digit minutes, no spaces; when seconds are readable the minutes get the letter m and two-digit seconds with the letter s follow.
8h05
